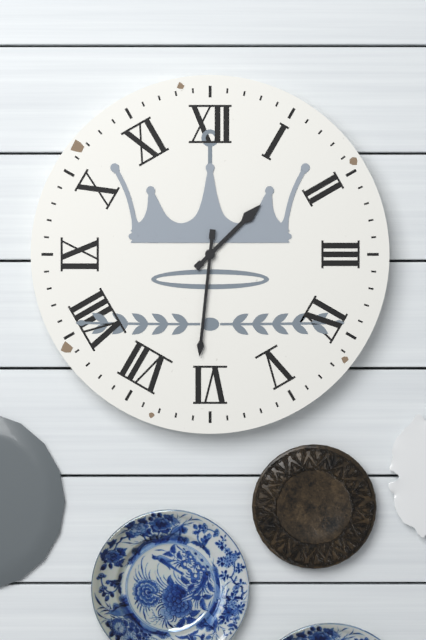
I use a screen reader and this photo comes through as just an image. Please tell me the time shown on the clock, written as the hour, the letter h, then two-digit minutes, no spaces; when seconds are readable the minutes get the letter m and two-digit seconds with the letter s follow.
1h31
